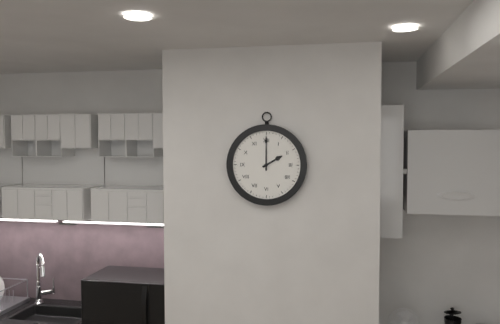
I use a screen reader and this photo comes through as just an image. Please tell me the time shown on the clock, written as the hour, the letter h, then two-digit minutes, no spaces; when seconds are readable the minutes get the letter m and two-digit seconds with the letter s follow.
2h00
